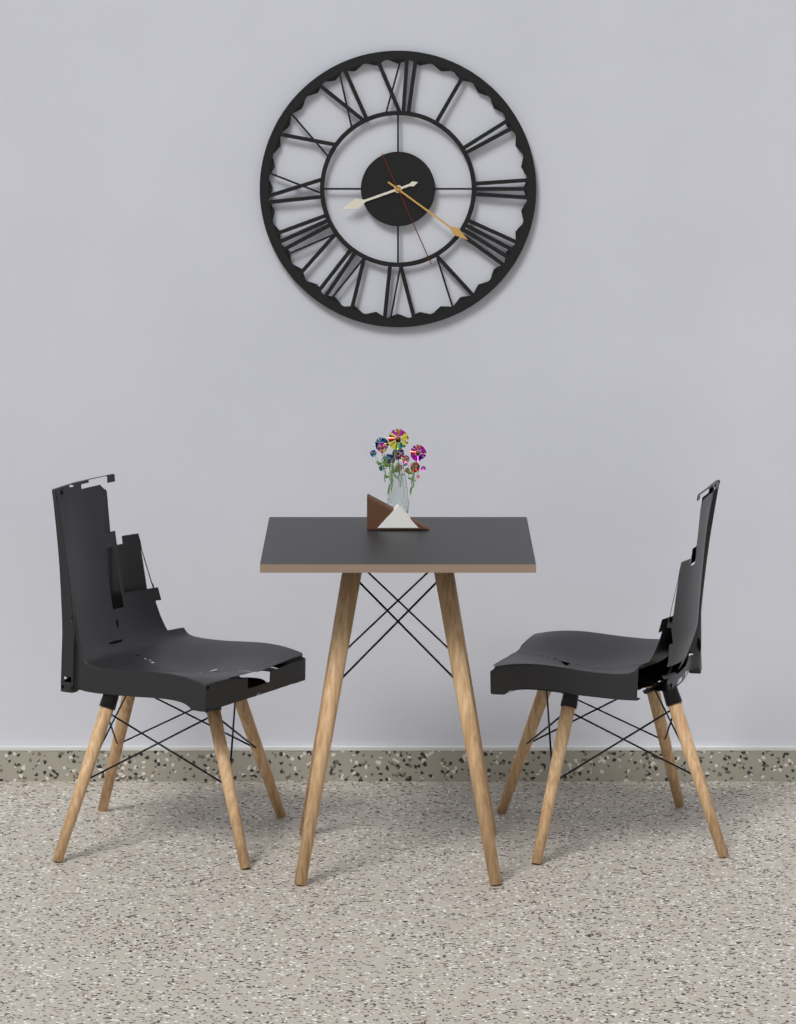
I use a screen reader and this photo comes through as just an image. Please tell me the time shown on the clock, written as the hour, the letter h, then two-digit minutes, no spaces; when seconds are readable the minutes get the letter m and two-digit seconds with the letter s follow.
8h21m26s
